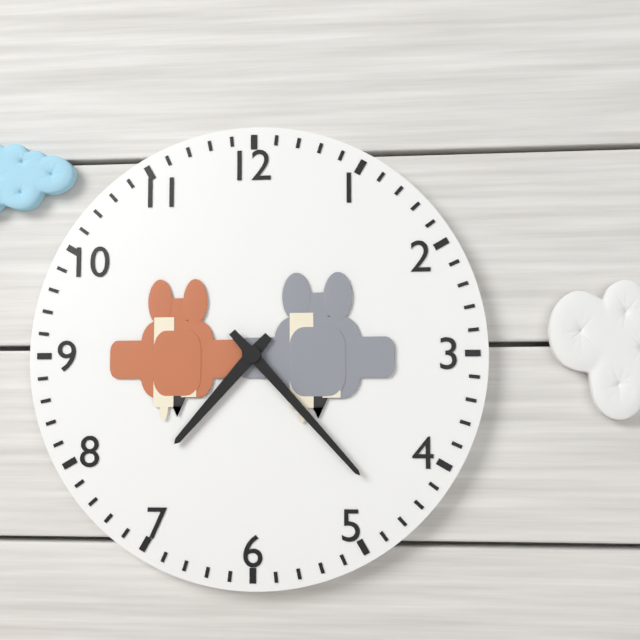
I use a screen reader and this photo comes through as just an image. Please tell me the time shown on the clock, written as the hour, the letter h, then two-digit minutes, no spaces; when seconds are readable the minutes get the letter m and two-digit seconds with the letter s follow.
7h23
